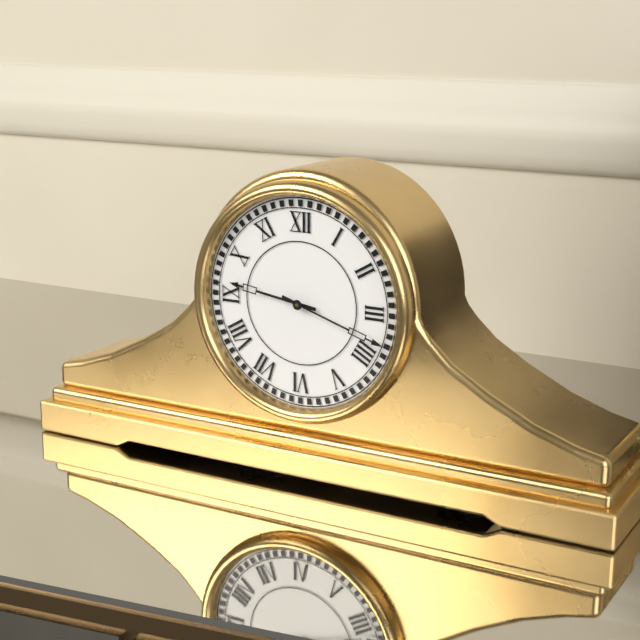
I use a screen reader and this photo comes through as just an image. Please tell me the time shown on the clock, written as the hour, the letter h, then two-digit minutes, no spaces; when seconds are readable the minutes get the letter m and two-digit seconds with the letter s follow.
9h18
